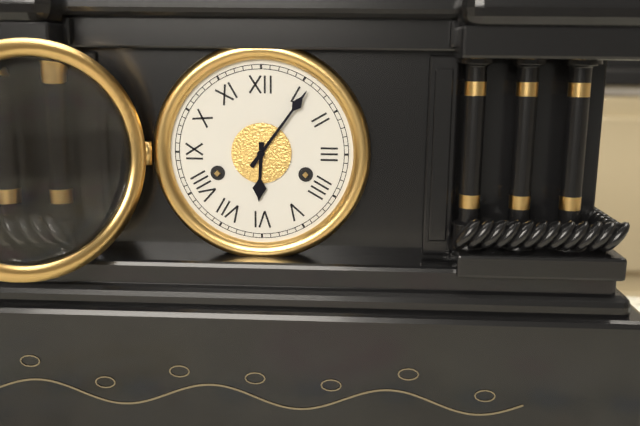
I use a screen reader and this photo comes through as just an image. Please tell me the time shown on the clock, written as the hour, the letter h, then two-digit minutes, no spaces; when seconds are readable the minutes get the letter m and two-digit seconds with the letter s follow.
6h06
